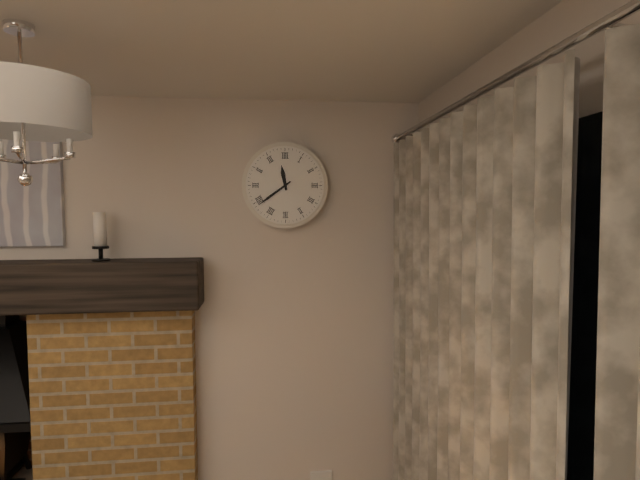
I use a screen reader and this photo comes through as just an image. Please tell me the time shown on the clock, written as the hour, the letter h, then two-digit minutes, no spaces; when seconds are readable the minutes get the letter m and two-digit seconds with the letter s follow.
11h39
